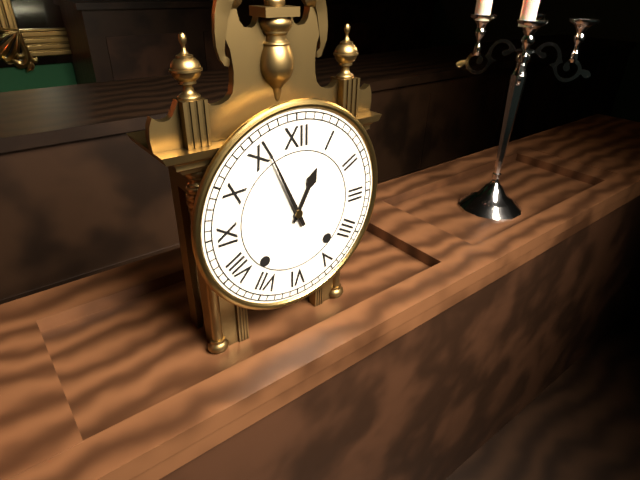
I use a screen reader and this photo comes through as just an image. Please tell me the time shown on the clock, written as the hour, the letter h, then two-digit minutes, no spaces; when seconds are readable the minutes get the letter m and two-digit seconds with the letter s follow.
12h56
